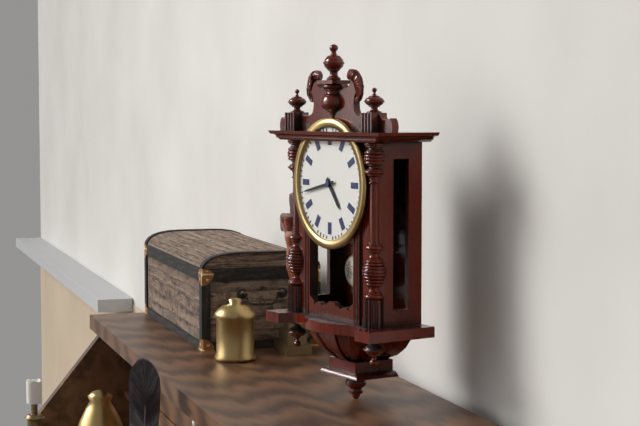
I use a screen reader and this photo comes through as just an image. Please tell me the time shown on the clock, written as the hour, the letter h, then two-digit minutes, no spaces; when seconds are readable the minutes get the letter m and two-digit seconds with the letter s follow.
4h43
